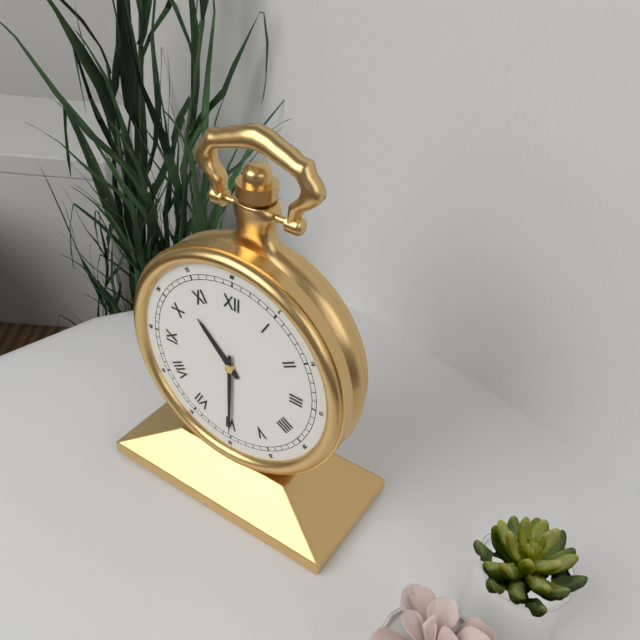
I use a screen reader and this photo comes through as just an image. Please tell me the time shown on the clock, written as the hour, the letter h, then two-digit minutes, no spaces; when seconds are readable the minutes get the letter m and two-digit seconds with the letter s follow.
10h30
